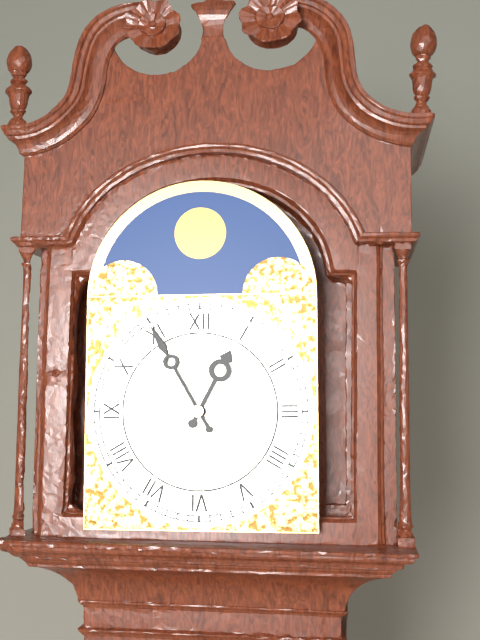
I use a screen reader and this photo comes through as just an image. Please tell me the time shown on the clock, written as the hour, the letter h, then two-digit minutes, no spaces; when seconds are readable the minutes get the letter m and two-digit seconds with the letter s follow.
12h55
